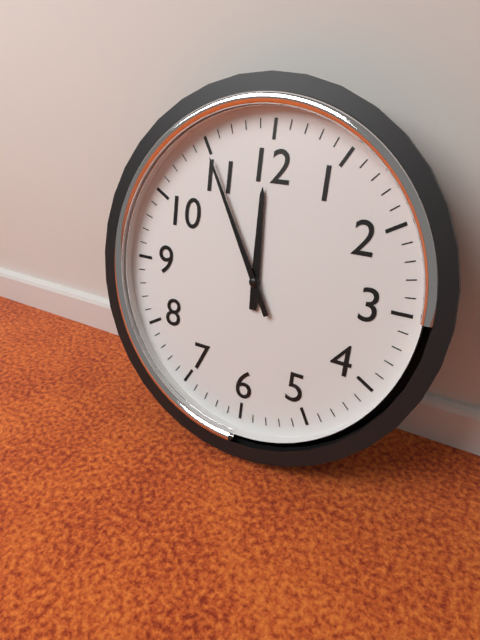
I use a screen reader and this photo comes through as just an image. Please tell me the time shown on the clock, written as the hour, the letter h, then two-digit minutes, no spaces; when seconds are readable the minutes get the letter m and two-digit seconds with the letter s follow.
11h55
